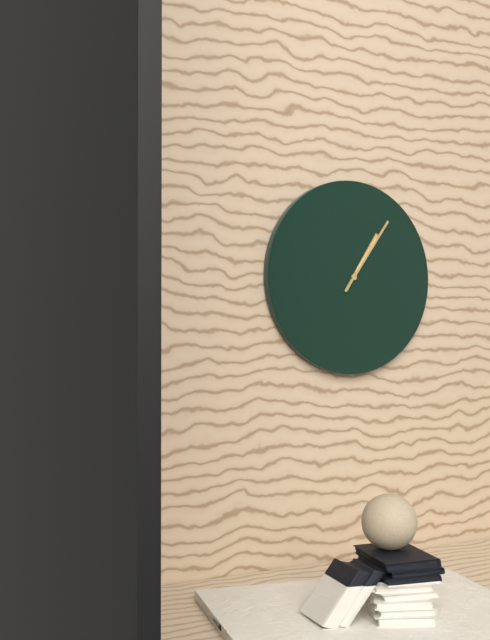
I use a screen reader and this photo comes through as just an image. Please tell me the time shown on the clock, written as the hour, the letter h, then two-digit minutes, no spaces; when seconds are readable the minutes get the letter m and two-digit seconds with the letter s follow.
1h06
